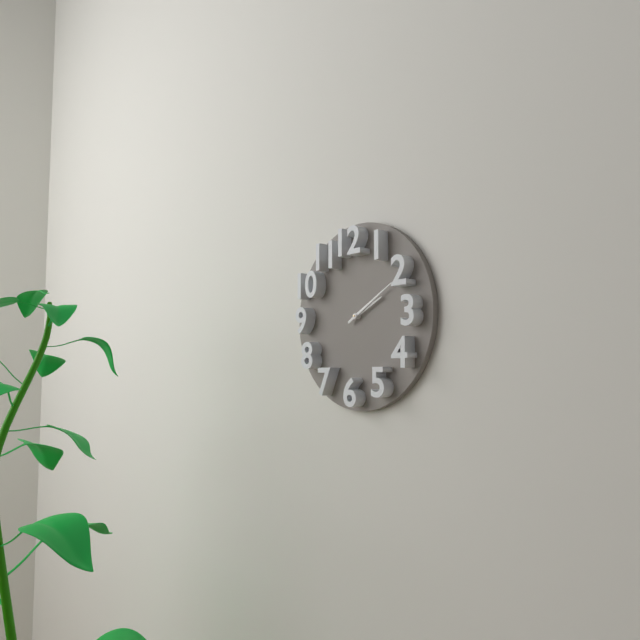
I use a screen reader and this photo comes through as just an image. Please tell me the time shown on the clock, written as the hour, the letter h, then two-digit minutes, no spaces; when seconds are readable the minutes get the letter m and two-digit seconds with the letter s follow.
2h10
